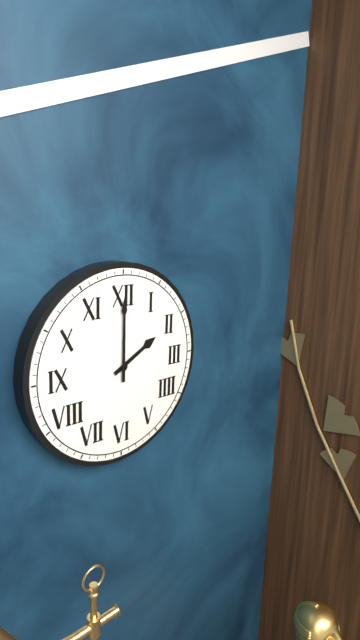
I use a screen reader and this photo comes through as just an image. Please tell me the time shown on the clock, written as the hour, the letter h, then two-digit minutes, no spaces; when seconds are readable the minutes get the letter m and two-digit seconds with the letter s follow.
2h00
